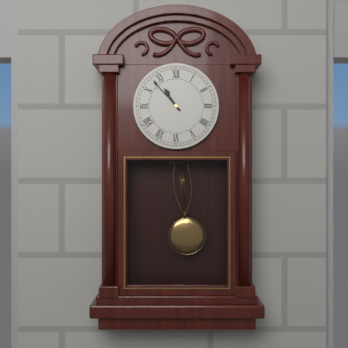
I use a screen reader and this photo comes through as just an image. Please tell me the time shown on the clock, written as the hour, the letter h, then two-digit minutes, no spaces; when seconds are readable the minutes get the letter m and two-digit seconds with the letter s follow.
10h53
